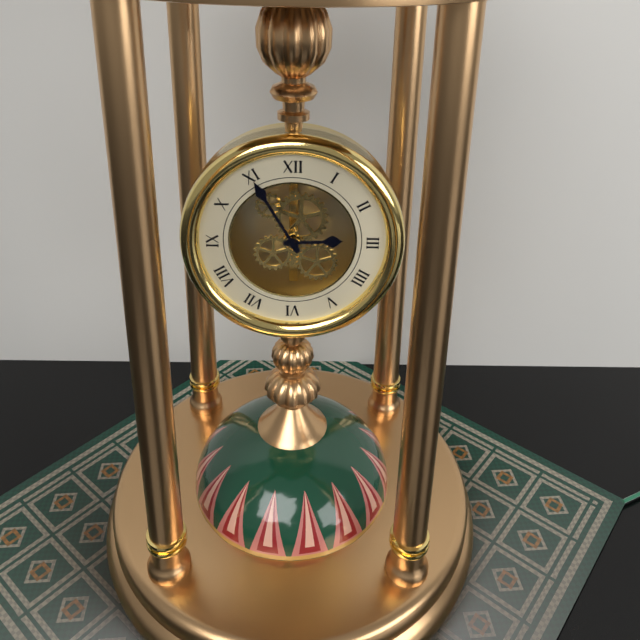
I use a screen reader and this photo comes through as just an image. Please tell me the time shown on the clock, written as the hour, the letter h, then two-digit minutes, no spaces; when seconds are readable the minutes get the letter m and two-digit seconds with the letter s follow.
2h55
